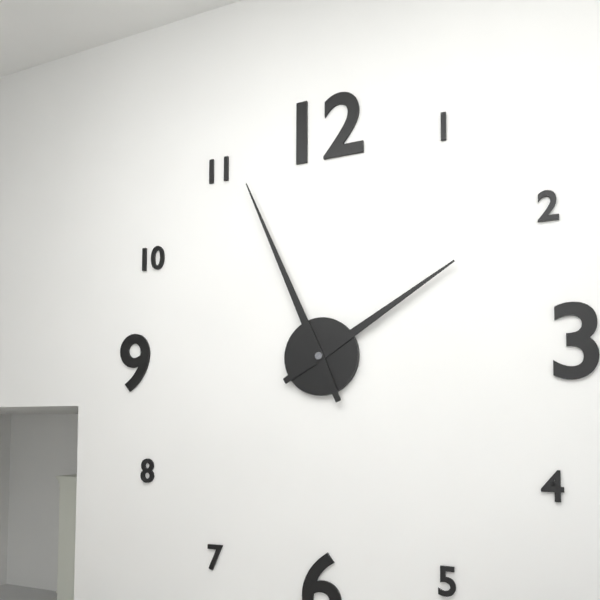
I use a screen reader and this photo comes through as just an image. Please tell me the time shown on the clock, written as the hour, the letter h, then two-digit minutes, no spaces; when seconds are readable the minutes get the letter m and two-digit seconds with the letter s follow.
1h56
